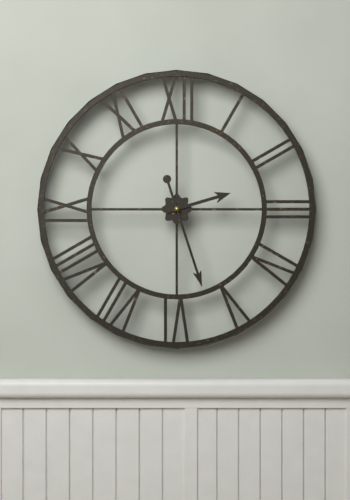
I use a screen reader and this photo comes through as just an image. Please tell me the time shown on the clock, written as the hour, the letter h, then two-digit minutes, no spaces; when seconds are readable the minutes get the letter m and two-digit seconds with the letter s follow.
2h27
